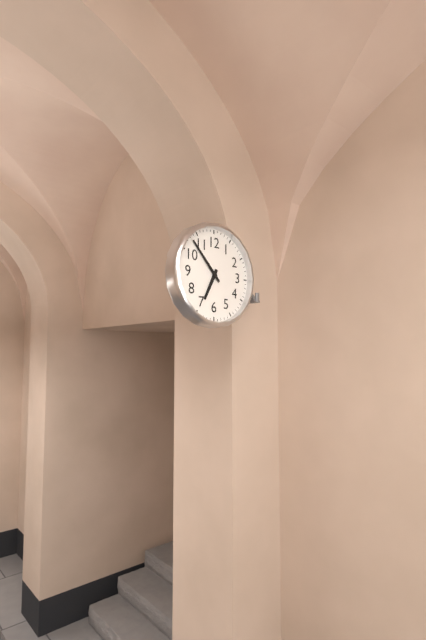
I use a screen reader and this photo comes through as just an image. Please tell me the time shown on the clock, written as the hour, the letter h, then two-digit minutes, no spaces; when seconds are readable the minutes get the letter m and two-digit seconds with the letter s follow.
6h53
